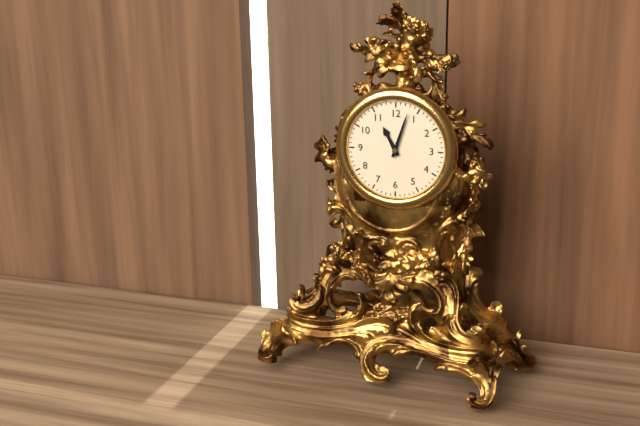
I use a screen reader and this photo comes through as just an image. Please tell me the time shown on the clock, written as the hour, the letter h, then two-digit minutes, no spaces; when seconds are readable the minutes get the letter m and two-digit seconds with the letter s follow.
11h03
